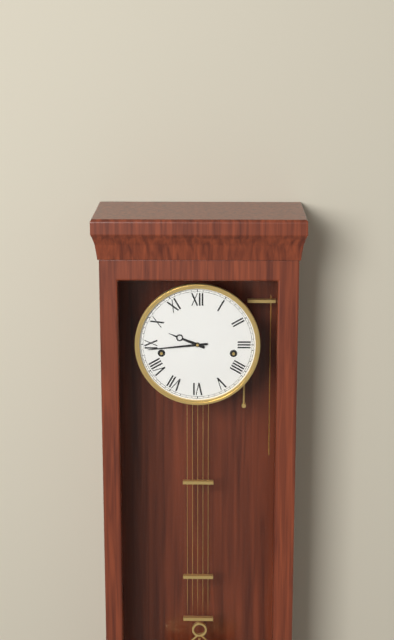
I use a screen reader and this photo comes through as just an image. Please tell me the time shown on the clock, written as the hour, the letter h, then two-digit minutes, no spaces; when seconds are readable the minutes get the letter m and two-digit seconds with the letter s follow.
9h44
